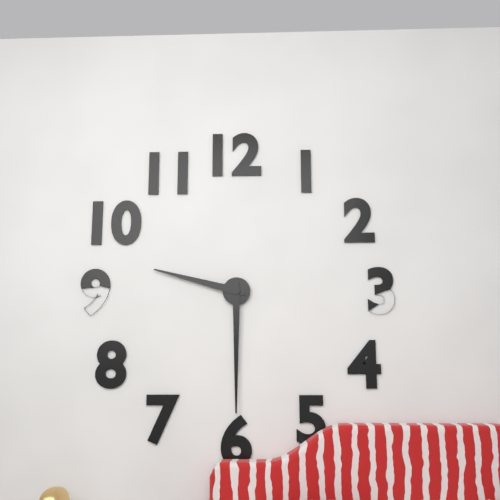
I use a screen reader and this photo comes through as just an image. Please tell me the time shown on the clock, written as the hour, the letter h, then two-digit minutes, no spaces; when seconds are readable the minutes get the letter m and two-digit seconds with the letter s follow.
9h30
